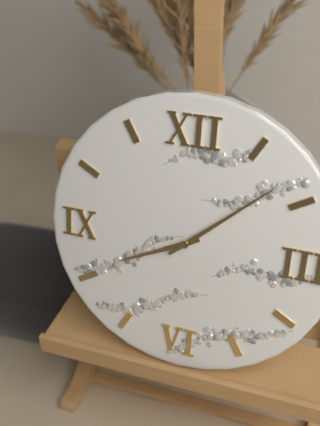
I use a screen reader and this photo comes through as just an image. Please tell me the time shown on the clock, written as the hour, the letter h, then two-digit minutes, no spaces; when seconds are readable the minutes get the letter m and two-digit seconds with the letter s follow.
8h08
